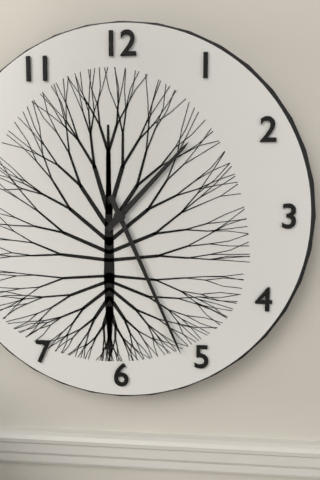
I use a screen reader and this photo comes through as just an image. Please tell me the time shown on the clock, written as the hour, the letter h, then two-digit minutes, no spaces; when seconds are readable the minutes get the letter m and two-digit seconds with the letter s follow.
1h26
